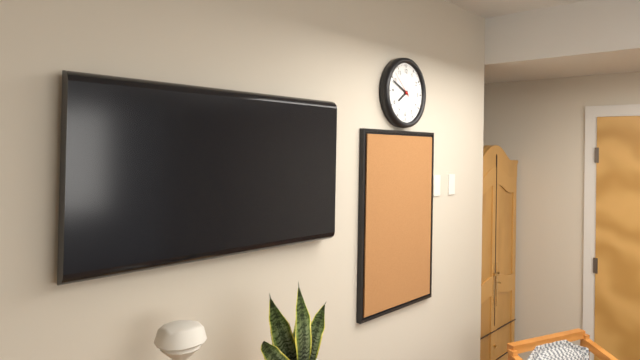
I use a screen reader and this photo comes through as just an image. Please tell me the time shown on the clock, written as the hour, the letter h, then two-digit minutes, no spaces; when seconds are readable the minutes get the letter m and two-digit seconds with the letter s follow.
7h49
